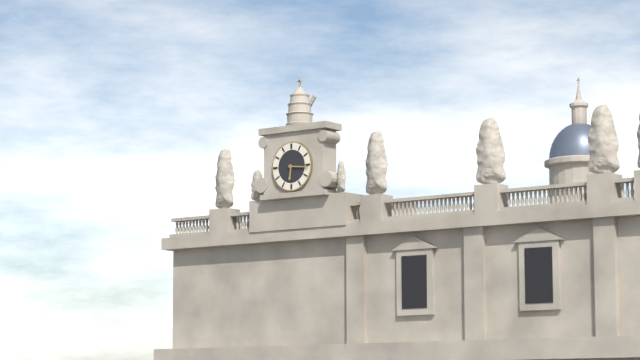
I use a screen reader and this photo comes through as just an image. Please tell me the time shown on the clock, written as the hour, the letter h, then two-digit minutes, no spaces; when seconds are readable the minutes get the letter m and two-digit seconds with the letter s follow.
6h16
